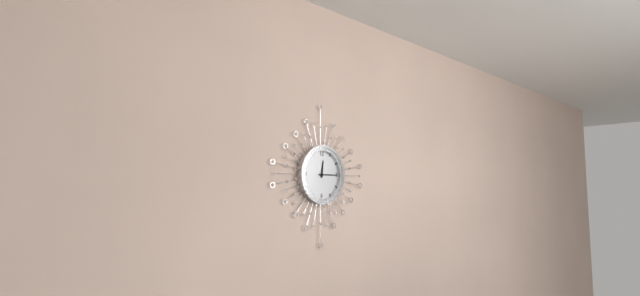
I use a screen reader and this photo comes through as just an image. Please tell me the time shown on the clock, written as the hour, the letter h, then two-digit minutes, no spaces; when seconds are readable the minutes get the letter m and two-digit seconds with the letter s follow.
12h15
